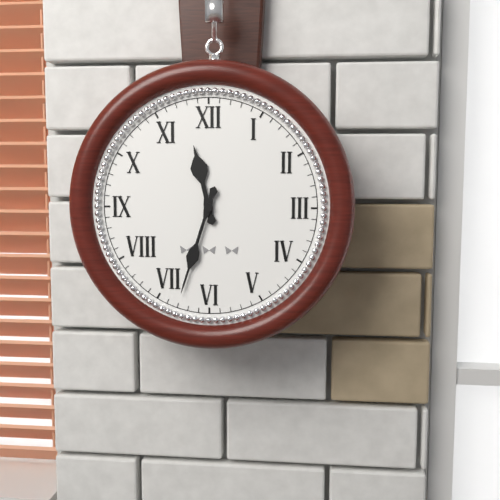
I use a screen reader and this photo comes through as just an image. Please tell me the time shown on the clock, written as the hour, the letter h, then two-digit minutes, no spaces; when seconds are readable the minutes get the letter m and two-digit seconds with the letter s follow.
11h33
